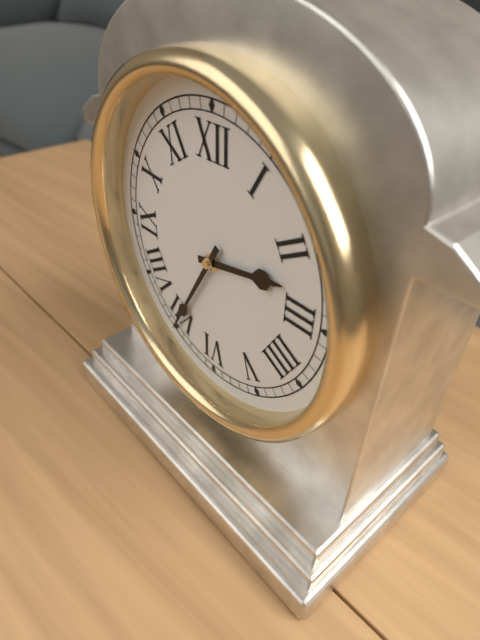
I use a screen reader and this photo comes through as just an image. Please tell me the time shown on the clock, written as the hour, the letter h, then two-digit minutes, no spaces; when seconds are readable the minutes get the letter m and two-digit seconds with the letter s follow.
2h35
